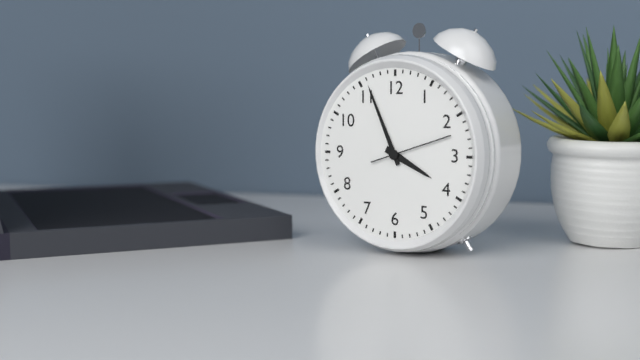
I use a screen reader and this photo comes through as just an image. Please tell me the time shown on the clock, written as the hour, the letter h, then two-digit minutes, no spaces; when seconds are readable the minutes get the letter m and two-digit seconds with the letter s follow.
3h56m12s
